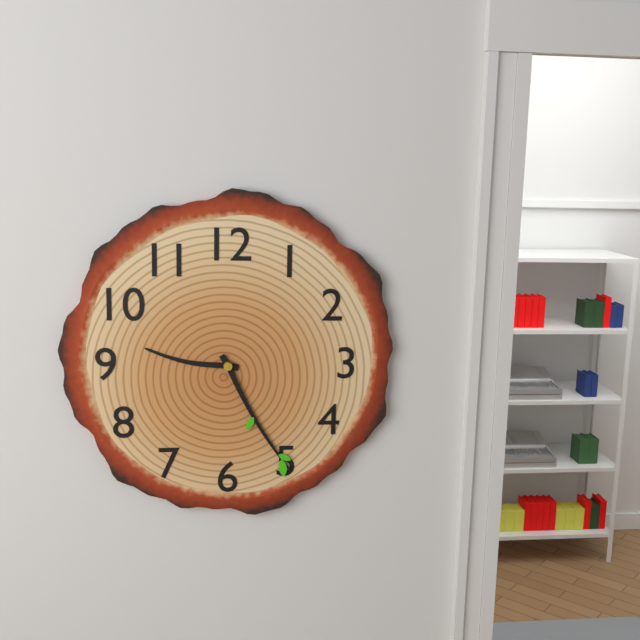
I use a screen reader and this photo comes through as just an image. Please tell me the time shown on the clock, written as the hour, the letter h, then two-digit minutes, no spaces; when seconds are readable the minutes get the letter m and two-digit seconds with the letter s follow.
9h25
